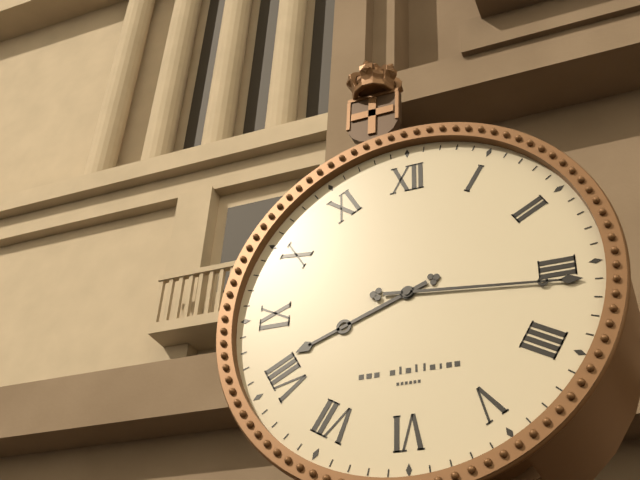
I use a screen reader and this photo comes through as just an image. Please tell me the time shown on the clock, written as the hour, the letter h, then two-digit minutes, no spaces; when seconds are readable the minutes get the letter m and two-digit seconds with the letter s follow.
8h16
